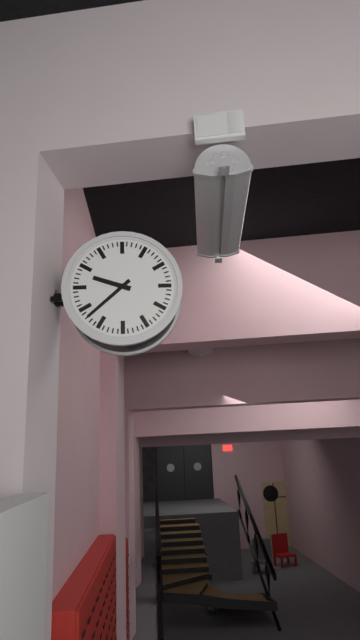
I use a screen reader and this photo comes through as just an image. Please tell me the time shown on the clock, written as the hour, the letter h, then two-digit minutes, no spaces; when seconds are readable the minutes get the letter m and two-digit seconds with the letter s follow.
9h38
